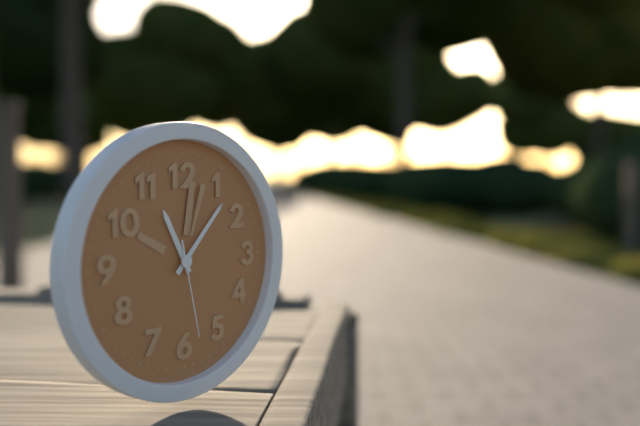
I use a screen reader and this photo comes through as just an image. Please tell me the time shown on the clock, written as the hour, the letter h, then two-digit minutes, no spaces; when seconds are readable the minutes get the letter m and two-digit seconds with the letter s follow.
11h07m28s
